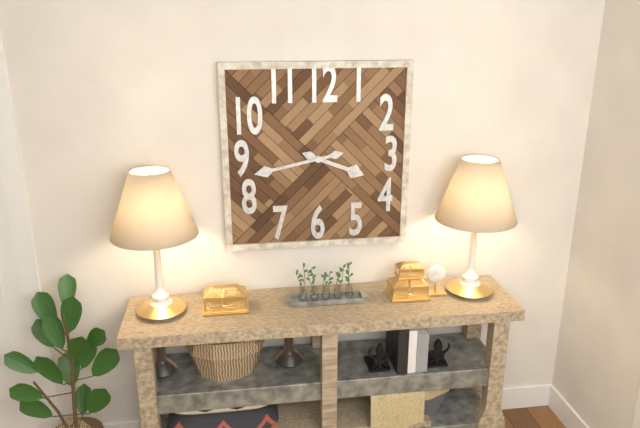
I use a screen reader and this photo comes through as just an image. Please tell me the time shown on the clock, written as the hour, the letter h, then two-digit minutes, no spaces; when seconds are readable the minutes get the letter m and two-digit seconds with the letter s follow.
3h43
